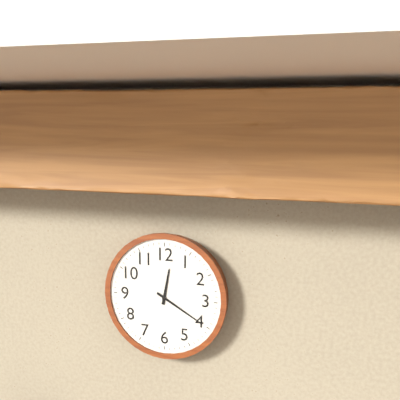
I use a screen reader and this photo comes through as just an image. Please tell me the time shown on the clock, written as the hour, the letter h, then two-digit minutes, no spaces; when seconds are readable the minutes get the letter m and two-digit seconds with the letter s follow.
12h20
